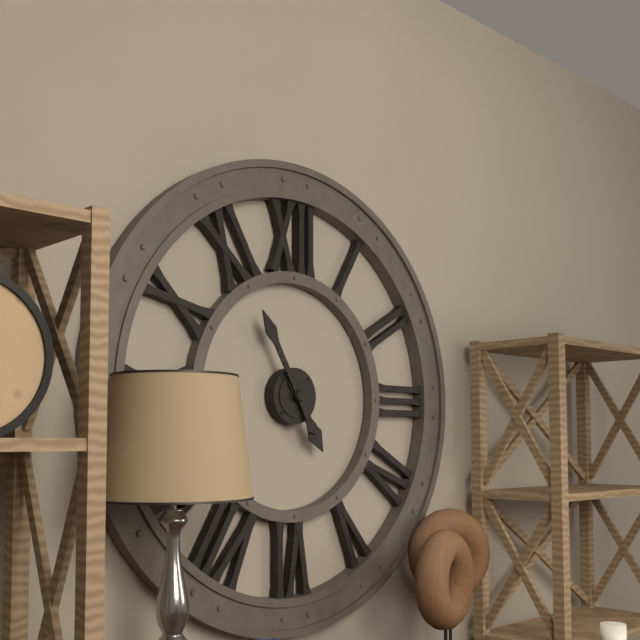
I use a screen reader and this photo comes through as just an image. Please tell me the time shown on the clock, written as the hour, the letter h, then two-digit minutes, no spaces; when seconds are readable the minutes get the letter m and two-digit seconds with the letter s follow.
4h55
